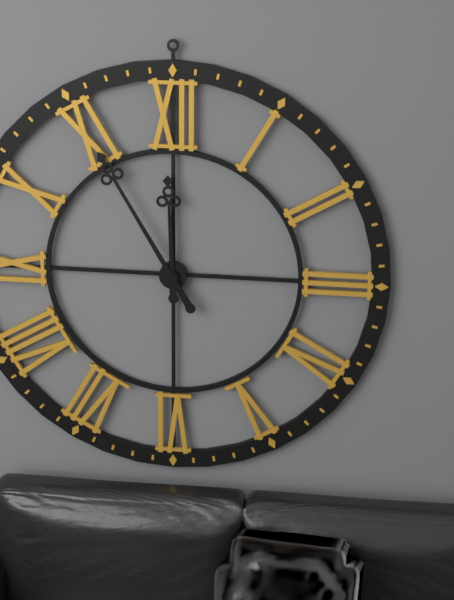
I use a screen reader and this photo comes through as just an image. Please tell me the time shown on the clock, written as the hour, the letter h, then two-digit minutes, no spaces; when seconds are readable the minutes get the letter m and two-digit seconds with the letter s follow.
11h55
